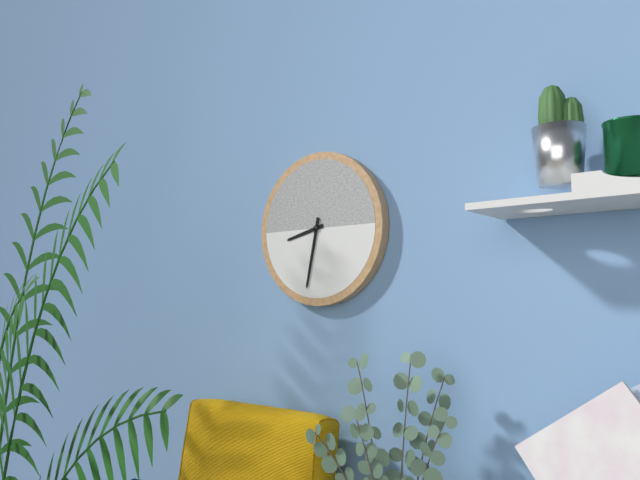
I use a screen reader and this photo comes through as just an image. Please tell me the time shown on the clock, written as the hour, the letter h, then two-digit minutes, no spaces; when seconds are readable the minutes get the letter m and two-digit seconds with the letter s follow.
8h32
